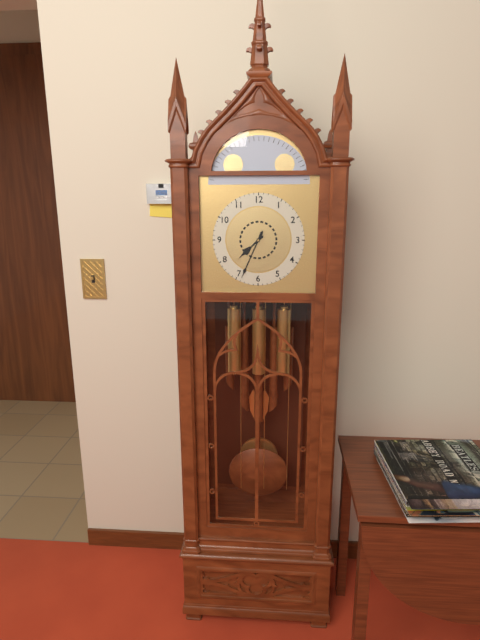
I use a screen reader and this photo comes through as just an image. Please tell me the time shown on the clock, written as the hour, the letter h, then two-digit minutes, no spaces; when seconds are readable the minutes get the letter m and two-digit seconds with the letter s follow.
7h34
